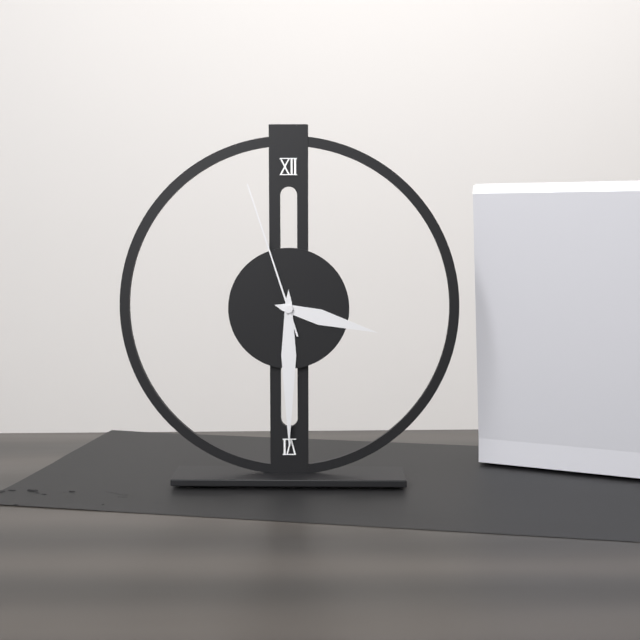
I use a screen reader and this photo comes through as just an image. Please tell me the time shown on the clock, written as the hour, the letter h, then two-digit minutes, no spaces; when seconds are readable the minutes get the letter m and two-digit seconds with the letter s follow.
3h30m57s
